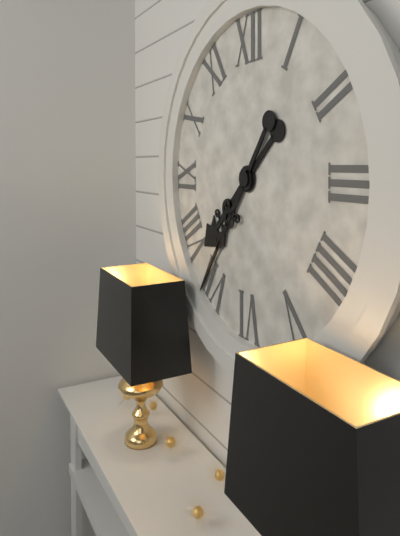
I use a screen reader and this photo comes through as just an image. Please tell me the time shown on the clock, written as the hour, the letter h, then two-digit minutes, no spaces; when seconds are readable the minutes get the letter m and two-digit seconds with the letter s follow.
7h36
